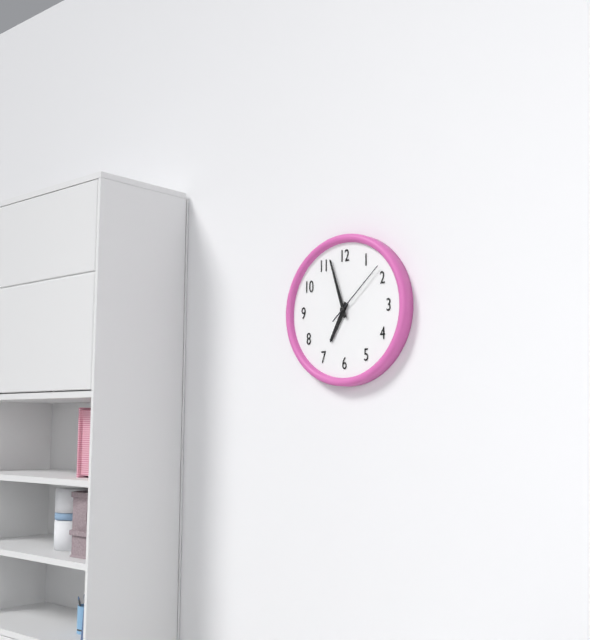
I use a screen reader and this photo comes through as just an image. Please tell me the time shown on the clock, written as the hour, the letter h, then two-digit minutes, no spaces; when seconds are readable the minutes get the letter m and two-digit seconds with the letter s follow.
6h57m08s
